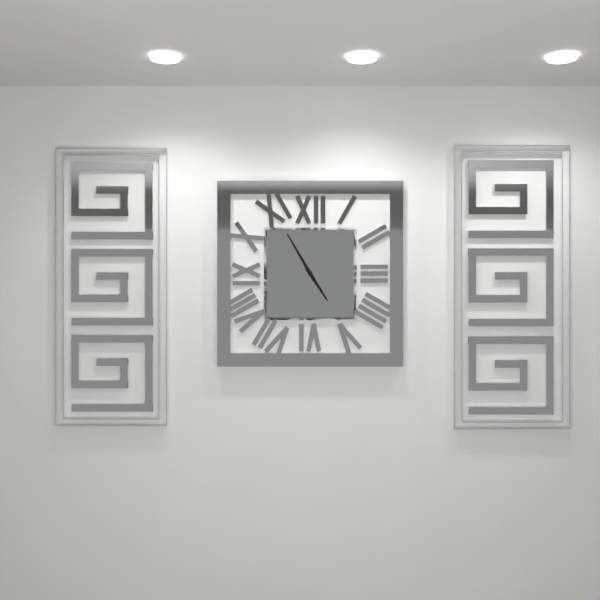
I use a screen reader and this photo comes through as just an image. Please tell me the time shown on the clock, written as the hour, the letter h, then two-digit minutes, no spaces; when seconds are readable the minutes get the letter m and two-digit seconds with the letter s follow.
4h55
